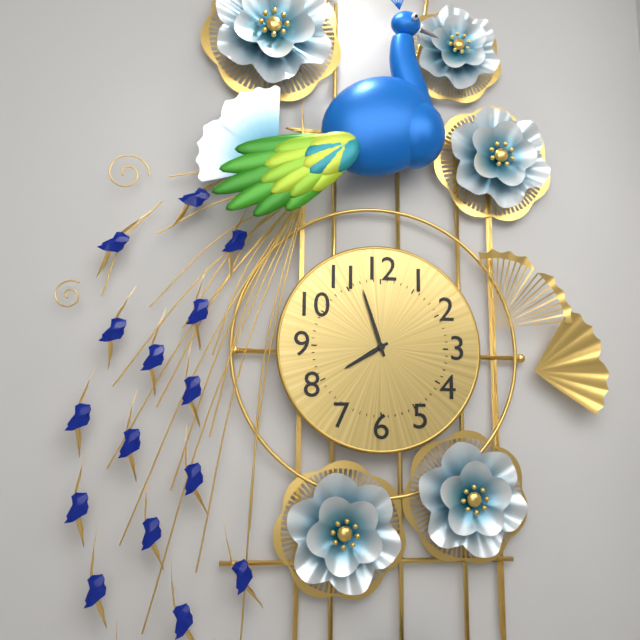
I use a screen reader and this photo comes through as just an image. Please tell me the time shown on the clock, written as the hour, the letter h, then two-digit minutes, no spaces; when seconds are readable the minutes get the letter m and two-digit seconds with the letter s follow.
7h57
